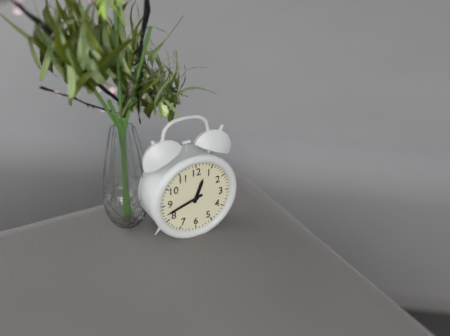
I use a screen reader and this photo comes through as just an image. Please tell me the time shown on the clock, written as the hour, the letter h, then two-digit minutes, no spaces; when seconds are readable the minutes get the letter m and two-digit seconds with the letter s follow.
12h42
